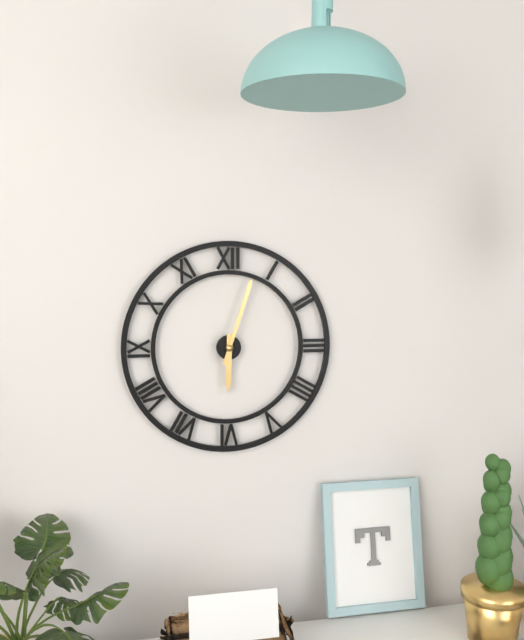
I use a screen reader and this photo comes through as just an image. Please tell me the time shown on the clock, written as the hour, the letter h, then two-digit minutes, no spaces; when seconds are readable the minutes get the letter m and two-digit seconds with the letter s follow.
6h03
